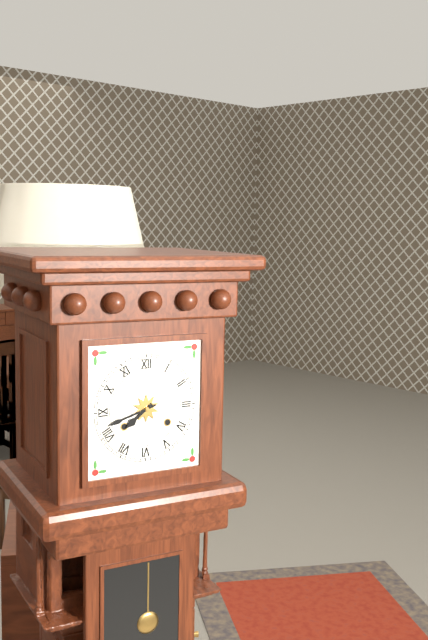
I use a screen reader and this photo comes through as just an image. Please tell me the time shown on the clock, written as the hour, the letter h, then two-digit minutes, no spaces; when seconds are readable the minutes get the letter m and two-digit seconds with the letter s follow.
7h42
